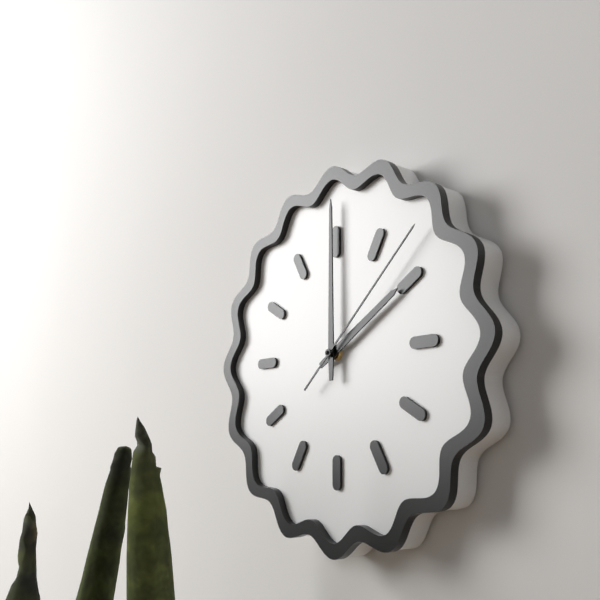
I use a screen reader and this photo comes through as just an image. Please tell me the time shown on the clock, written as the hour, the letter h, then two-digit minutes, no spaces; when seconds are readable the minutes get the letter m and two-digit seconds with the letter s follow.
2h00m08s
